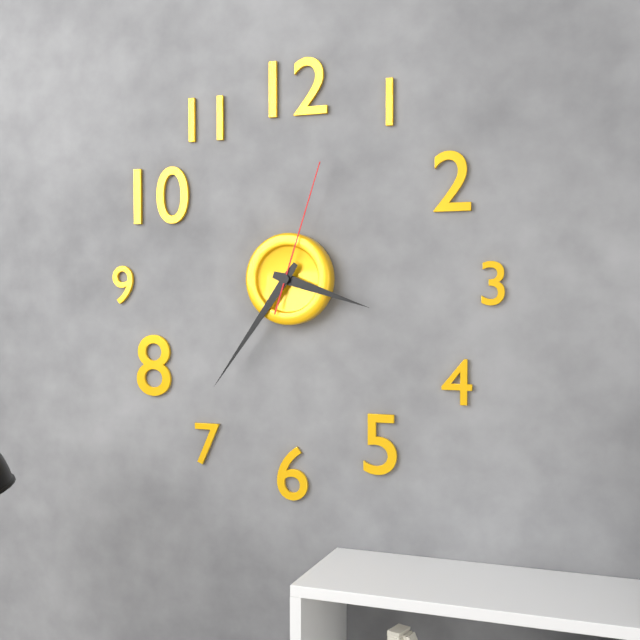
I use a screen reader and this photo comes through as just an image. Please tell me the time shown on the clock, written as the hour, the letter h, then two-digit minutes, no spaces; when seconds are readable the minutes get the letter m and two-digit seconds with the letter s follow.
3h36m03s
